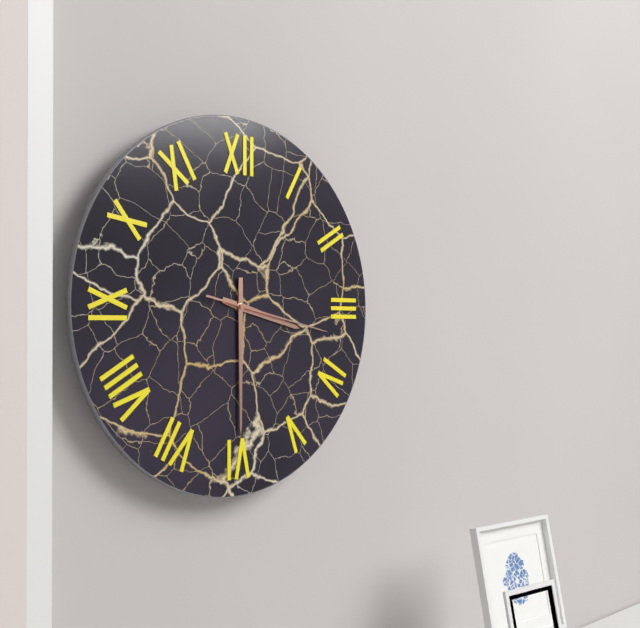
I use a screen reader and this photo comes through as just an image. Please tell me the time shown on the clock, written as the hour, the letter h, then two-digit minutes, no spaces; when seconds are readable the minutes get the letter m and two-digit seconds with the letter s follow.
3h30m17s
